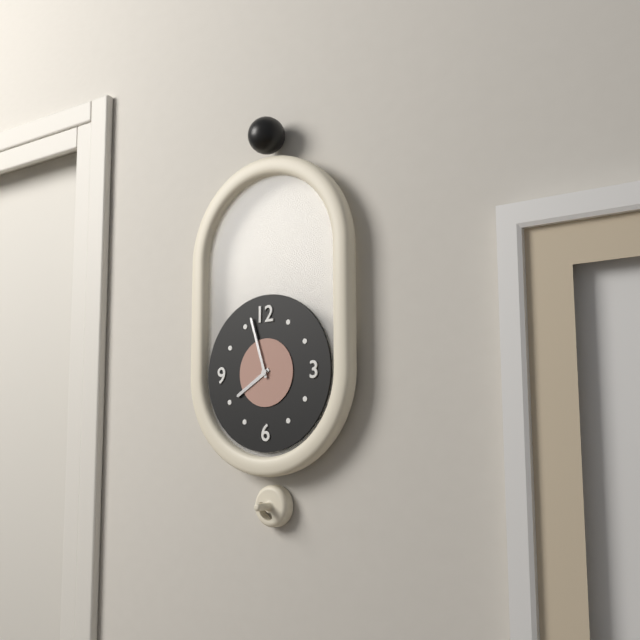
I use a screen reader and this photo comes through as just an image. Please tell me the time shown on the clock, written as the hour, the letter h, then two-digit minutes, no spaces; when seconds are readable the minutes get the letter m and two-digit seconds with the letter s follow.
7h57
